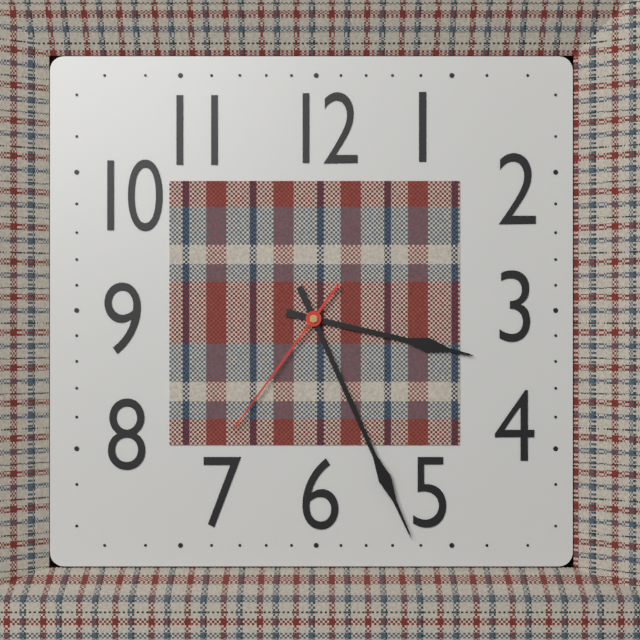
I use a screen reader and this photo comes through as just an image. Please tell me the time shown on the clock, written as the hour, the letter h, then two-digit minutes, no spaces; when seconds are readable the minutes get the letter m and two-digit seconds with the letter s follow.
3h26m36s
